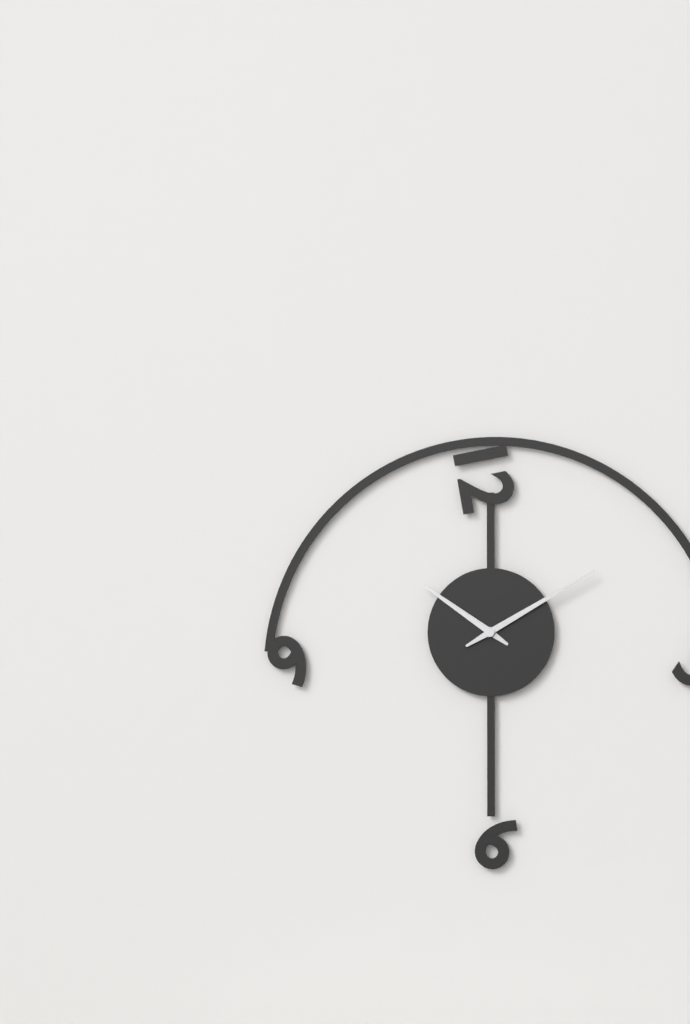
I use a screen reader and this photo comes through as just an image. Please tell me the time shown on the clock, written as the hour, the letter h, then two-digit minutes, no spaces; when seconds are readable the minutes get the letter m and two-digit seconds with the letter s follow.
10h10
